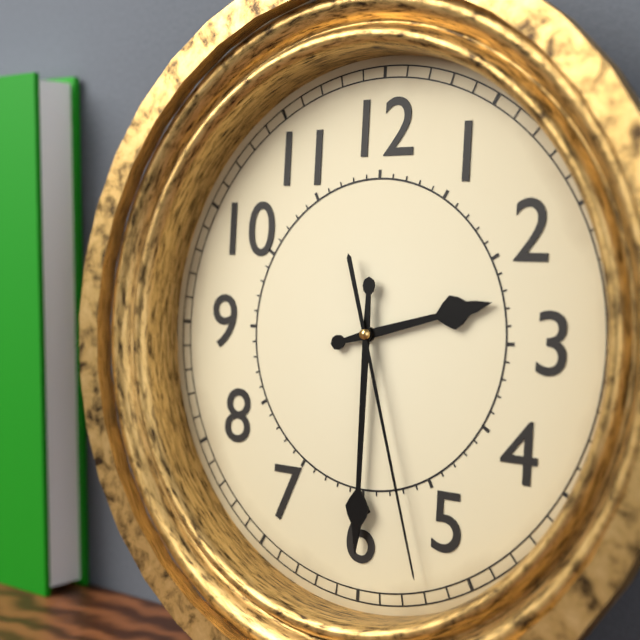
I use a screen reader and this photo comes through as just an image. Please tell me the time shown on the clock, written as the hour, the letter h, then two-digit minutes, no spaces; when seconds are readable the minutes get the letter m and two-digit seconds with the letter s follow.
2h30m27s
